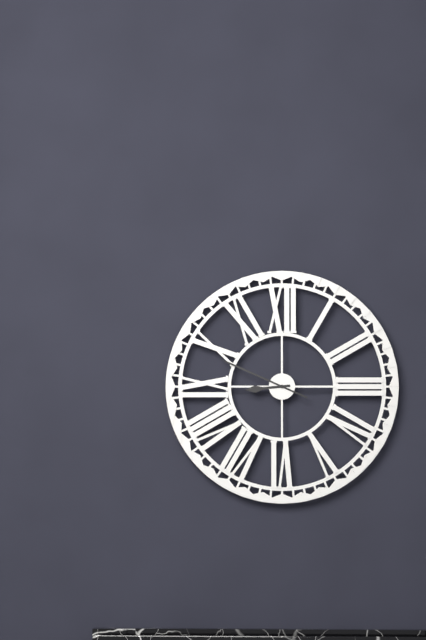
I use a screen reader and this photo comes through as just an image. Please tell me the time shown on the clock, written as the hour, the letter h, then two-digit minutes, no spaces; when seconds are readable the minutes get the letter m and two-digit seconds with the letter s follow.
8h49
